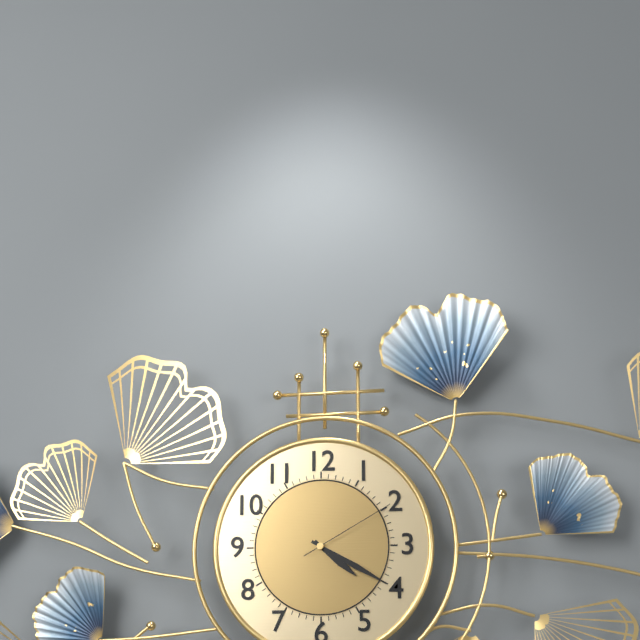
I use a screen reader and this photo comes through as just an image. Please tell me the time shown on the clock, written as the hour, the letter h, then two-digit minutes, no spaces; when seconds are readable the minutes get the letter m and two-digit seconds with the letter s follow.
4h20m10s
